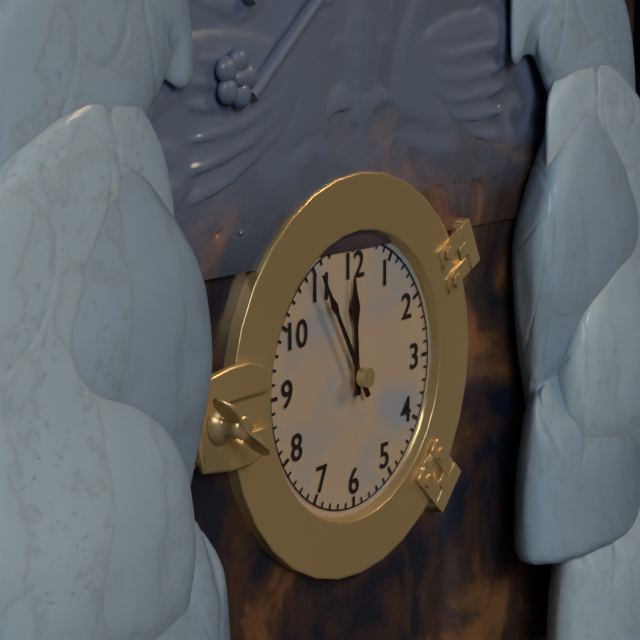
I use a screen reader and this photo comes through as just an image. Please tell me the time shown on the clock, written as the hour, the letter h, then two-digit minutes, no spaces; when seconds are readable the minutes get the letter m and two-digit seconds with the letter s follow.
11h55
